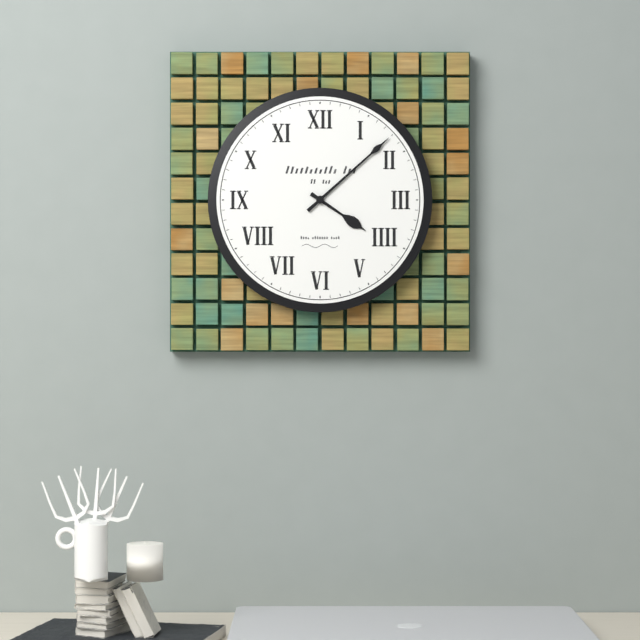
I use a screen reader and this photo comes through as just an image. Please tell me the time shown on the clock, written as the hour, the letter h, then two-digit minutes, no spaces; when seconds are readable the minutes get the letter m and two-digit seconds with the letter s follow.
4h08
